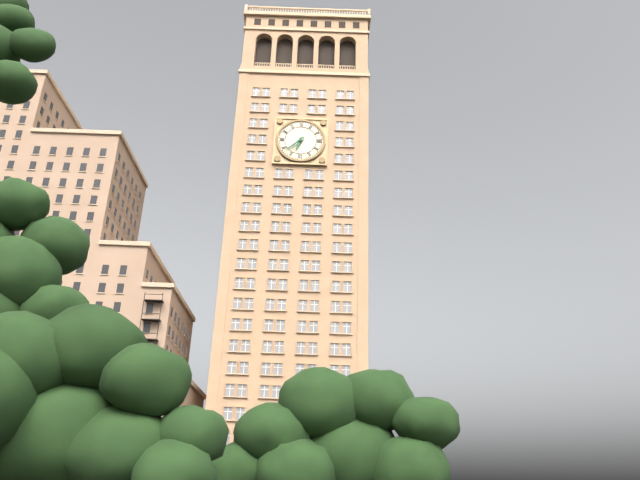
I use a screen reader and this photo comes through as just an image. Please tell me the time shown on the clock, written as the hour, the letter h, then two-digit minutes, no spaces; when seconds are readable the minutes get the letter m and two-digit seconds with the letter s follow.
6h38
